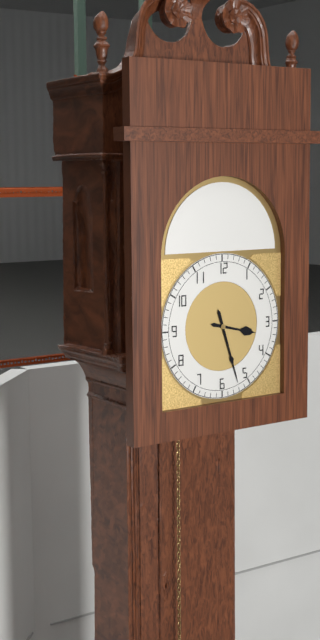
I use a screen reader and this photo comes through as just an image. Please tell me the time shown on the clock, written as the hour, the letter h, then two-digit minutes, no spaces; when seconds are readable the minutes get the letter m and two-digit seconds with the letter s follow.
3h27
